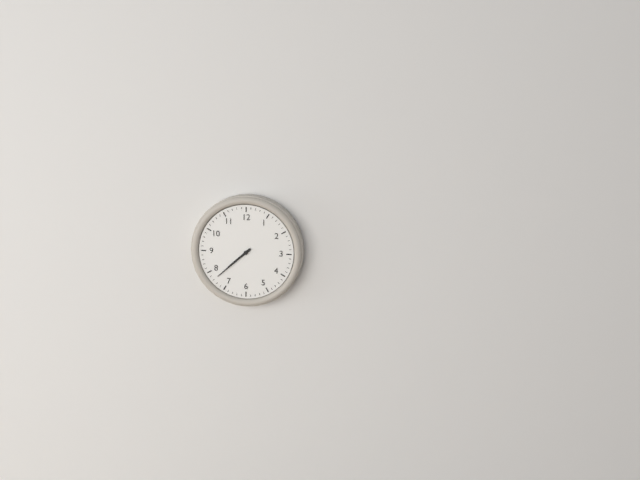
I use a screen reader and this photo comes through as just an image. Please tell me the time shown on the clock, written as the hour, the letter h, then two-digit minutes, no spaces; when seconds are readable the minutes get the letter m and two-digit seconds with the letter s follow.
7h38
